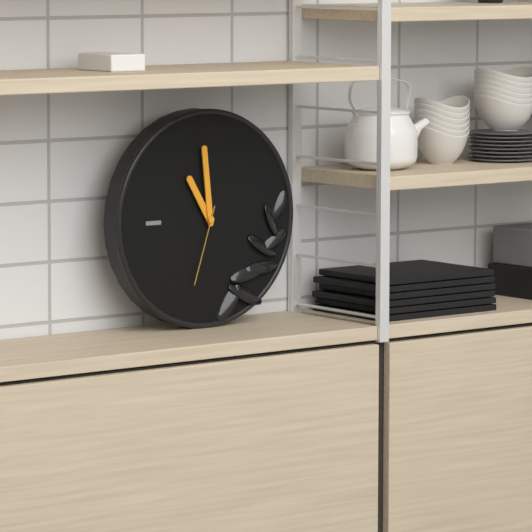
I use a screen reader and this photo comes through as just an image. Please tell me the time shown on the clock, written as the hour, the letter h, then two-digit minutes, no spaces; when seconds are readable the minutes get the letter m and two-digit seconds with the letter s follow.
10h59m33s
